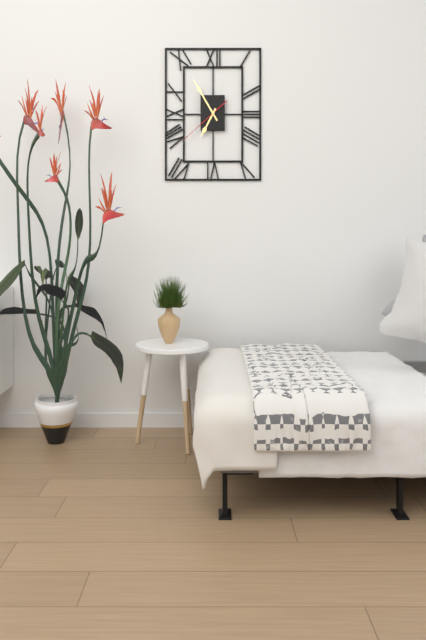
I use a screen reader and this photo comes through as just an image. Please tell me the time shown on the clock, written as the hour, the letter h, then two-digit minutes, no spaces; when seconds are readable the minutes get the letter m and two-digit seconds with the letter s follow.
6h55
